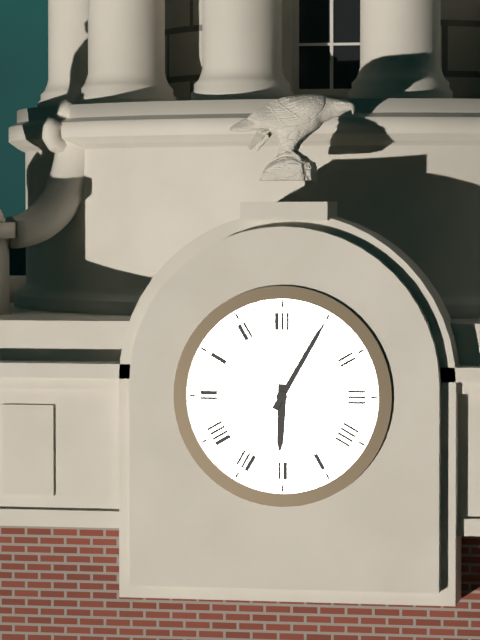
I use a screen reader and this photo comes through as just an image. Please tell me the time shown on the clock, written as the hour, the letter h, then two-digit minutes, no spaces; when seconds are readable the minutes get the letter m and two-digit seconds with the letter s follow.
6h05
